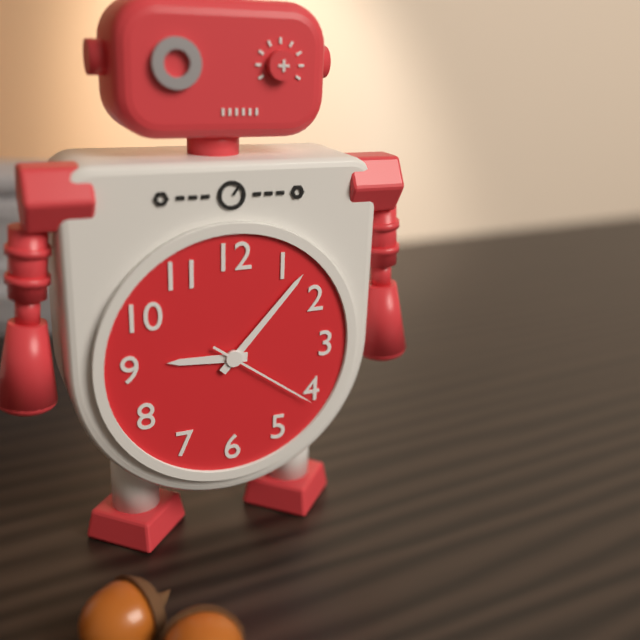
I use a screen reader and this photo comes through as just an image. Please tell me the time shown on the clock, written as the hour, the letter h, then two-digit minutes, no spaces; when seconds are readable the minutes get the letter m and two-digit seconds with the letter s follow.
9h07m21s
